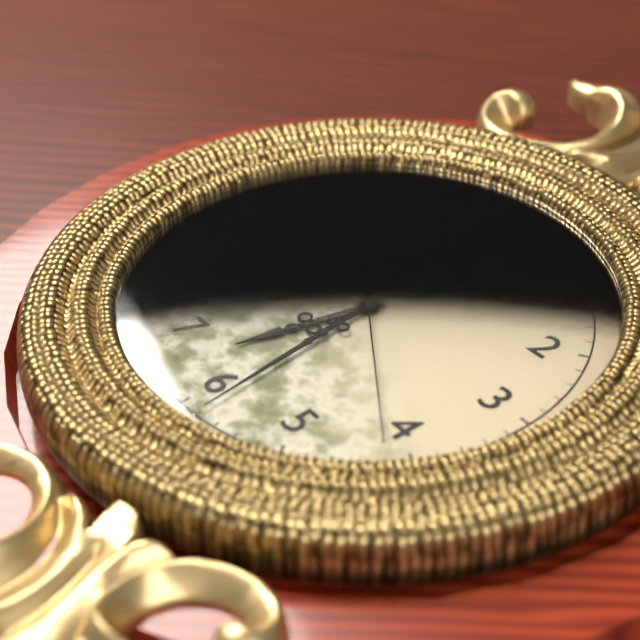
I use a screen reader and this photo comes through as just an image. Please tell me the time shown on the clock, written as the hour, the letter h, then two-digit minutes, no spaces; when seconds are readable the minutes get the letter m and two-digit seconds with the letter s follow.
6h29m21s
